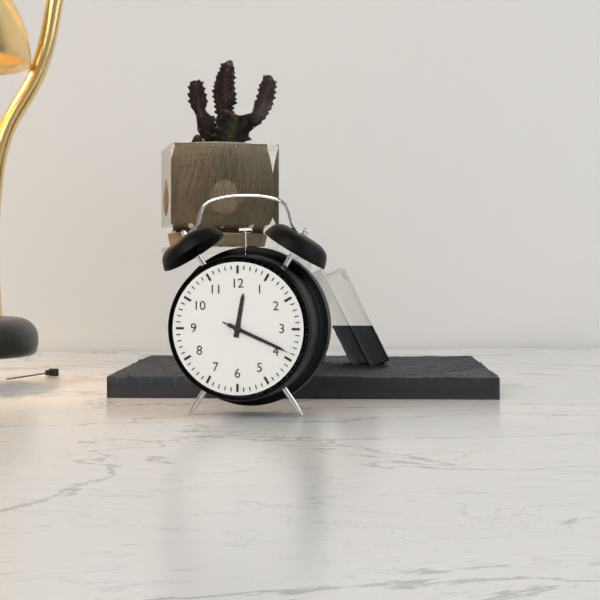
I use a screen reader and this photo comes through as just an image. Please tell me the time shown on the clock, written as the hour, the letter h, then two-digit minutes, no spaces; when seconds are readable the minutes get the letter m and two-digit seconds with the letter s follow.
12h19m19s
